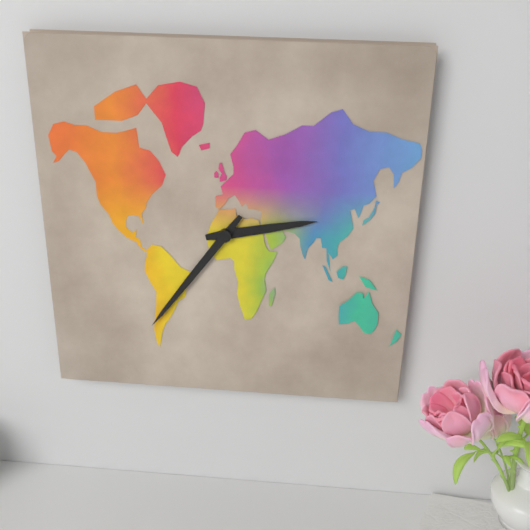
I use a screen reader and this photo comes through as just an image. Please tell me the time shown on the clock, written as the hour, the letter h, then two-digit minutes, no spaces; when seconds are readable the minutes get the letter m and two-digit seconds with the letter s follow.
2h36
